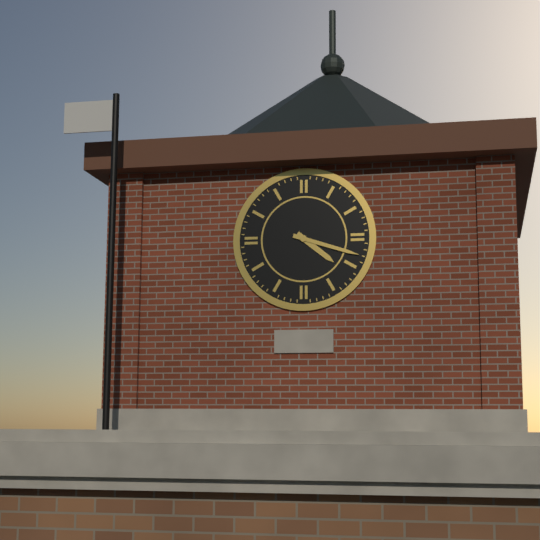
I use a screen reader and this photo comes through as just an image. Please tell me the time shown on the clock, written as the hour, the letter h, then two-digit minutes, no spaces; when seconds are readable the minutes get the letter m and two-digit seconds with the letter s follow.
4h18
